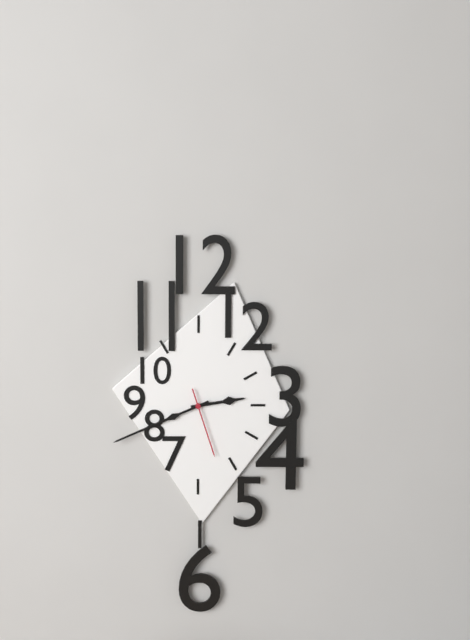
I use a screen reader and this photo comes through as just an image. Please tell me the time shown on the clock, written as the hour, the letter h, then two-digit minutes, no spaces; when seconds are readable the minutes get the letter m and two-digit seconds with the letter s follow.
2h41m27s
